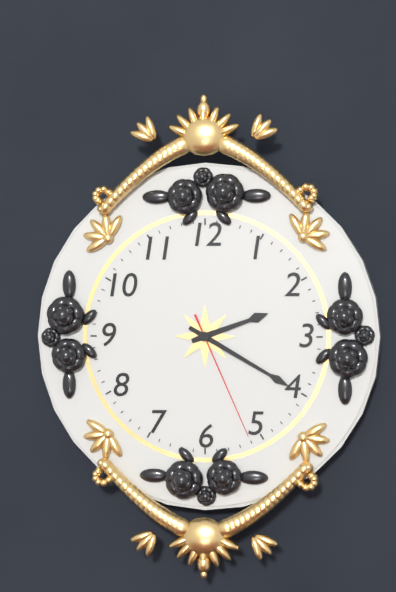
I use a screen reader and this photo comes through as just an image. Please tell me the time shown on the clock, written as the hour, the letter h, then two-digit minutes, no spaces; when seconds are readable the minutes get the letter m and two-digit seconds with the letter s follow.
2h20m26s
